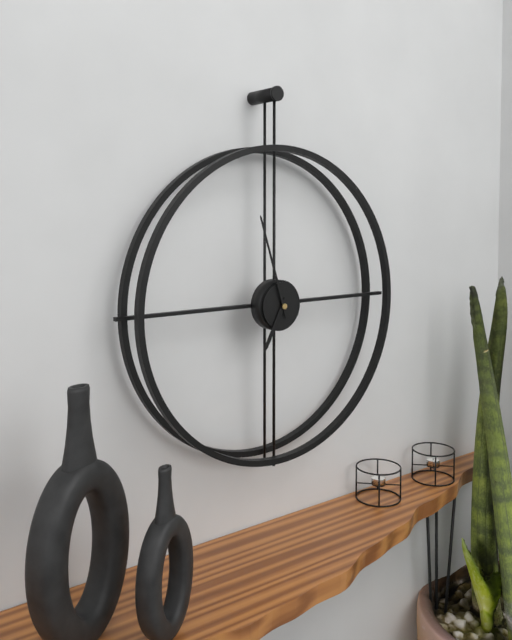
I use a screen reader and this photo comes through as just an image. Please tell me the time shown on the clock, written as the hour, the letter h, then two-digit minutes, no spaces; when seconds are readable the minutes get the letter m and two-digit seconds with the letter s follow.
6h57
